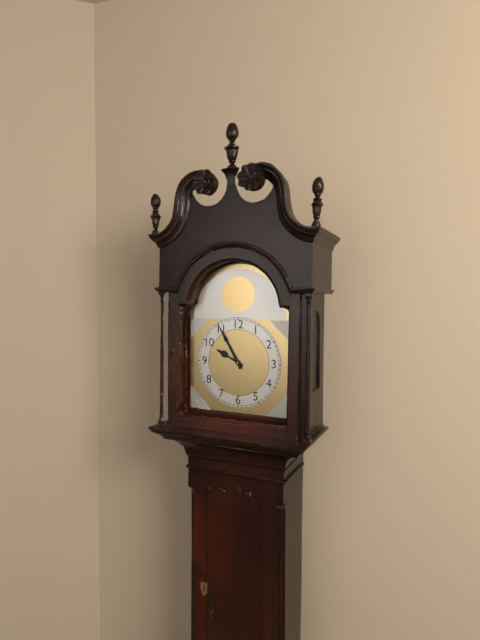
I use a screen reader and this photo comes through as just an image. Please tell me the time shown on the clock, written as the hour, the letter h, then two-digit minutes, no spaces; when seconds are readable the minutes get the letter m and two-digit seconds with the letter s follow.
9h55
